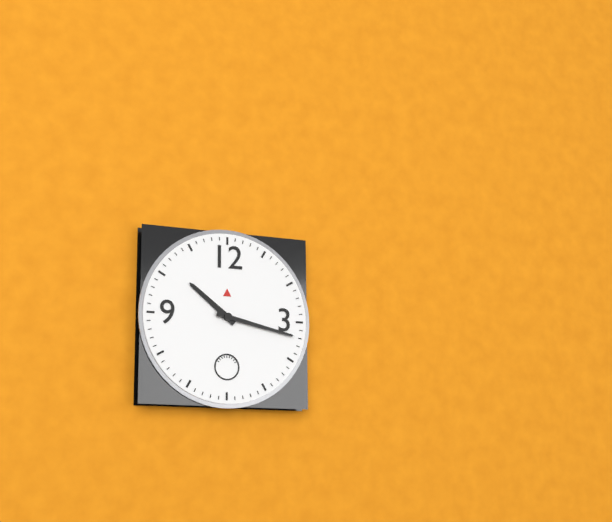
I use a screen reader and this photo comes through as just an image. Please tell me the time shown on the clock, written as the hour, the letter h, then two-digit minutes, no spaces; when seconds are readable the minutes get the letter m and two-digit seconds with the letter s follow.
10h17
